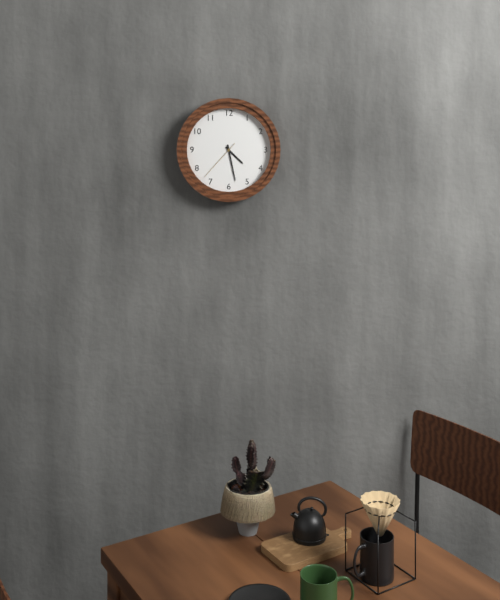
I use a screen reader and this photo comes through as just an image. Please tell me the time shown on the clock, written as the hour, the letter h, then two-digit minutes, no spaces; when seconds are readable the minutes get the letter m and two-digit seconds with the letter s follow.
4h28
